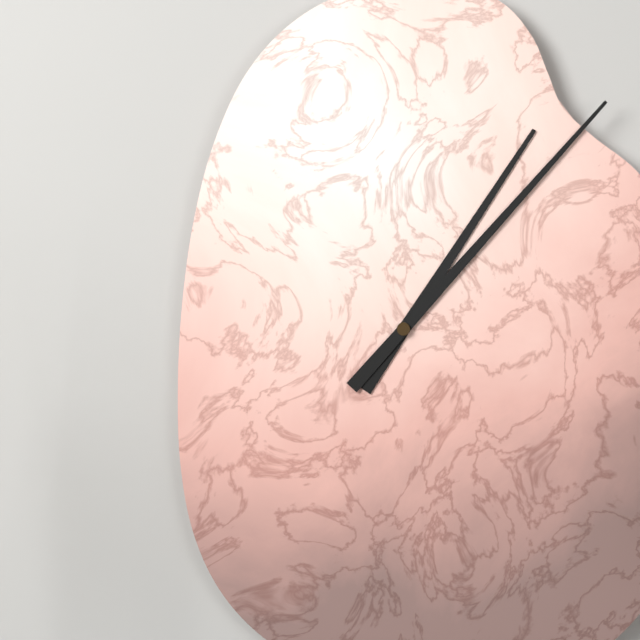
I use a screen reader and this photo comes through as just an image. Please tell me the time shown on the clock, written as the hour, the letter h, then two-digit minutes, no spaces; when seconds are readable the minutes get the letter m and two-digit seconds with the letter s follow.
1h07
